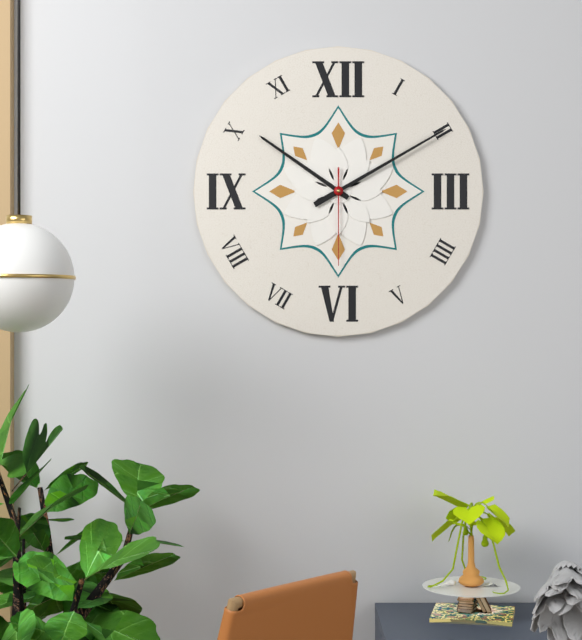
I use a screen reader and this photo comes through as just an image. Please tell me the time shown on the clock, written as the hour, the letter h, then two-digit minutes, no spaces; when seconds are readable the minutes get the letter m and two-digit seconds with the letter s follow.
10h10m30s
